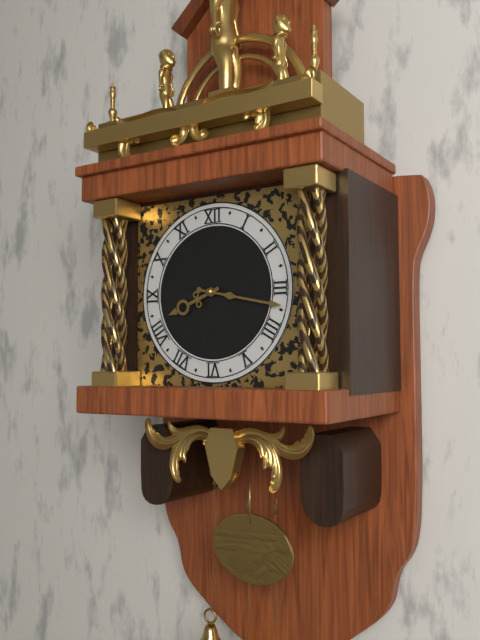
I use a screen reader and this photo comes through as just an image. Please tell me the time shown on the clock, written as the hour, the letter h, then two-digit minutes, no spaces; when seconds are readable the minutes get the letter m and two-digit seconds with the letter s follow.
8h17
